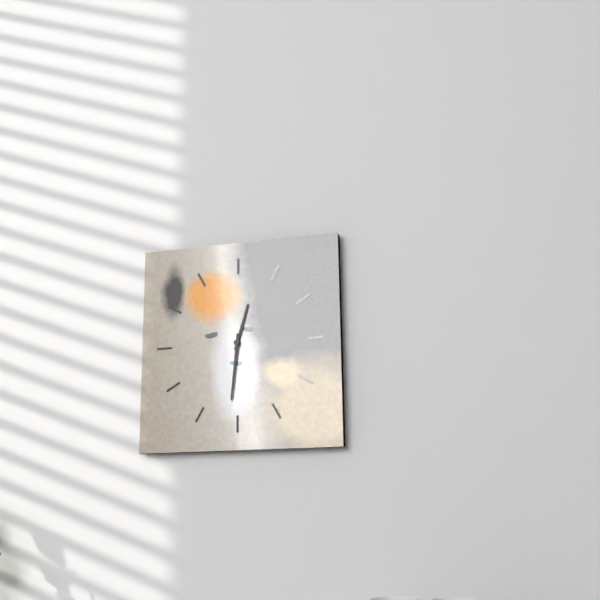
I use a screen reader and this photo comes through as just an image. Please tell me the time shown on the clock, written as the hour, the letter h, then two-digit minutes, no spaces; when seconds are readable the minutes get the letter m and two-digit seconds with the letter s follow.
12h31
